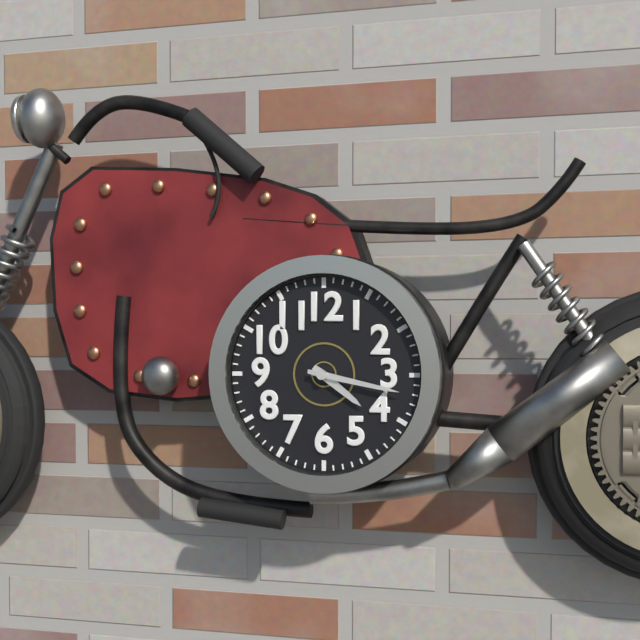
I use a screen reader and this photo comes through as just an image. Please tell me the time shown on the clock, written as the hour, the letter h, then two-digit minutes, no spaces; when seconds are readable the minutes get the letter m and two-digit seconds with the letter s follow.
4h17
